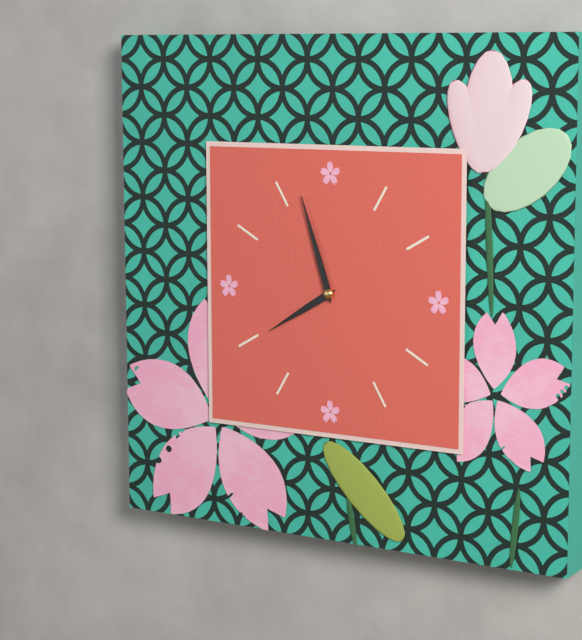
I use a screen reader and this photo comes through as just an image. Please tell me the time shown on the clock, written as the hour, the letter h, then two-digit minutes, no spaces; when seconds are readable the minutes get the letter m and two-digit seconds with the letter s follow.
7h57
